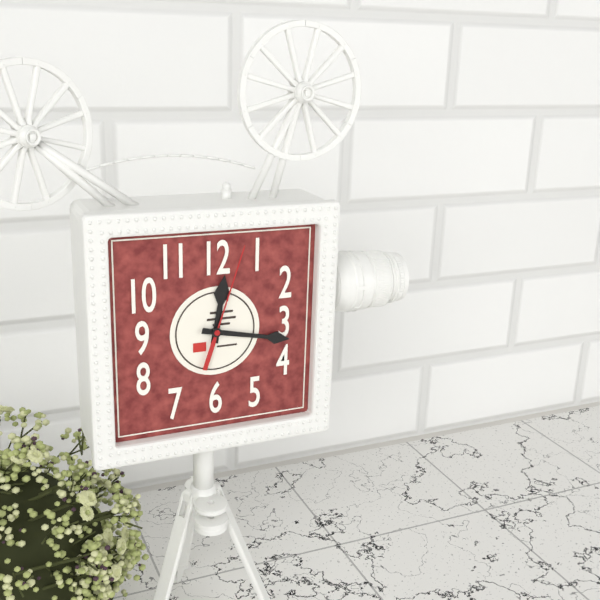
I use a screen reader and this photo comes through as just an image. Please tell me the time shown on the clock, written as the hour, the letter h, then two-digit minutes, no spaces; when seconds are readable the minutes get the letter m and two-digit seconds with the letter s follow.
12h17m03s
